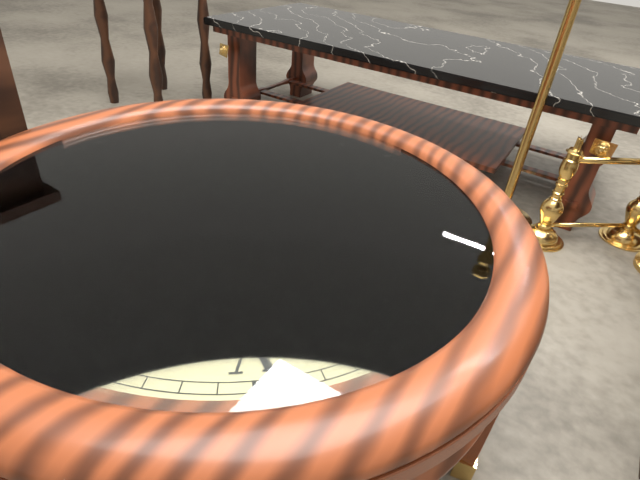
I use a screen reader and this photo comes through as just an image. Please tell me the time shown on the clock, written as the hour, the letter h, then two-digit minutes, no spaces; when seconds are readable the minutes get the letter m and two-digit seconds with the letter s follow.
12h33m32s
